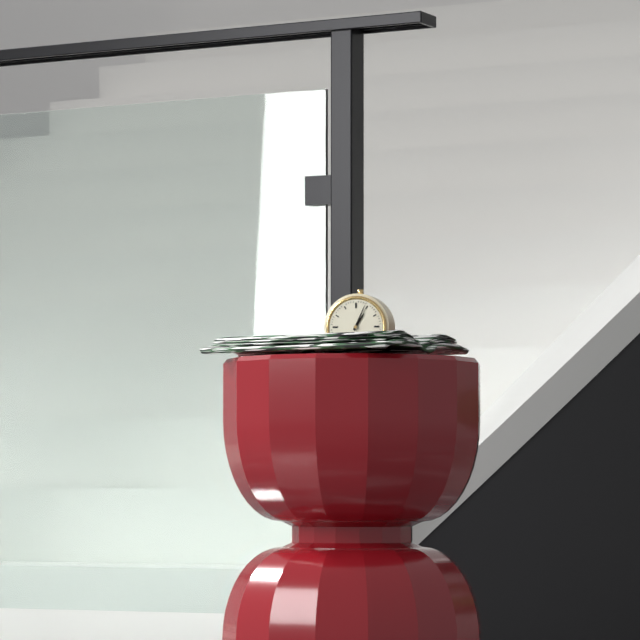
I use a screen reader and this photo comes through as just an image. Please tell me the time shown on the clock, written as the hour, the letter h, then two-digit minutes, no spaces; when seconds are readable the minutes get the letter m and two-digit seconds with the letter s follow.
1h04
